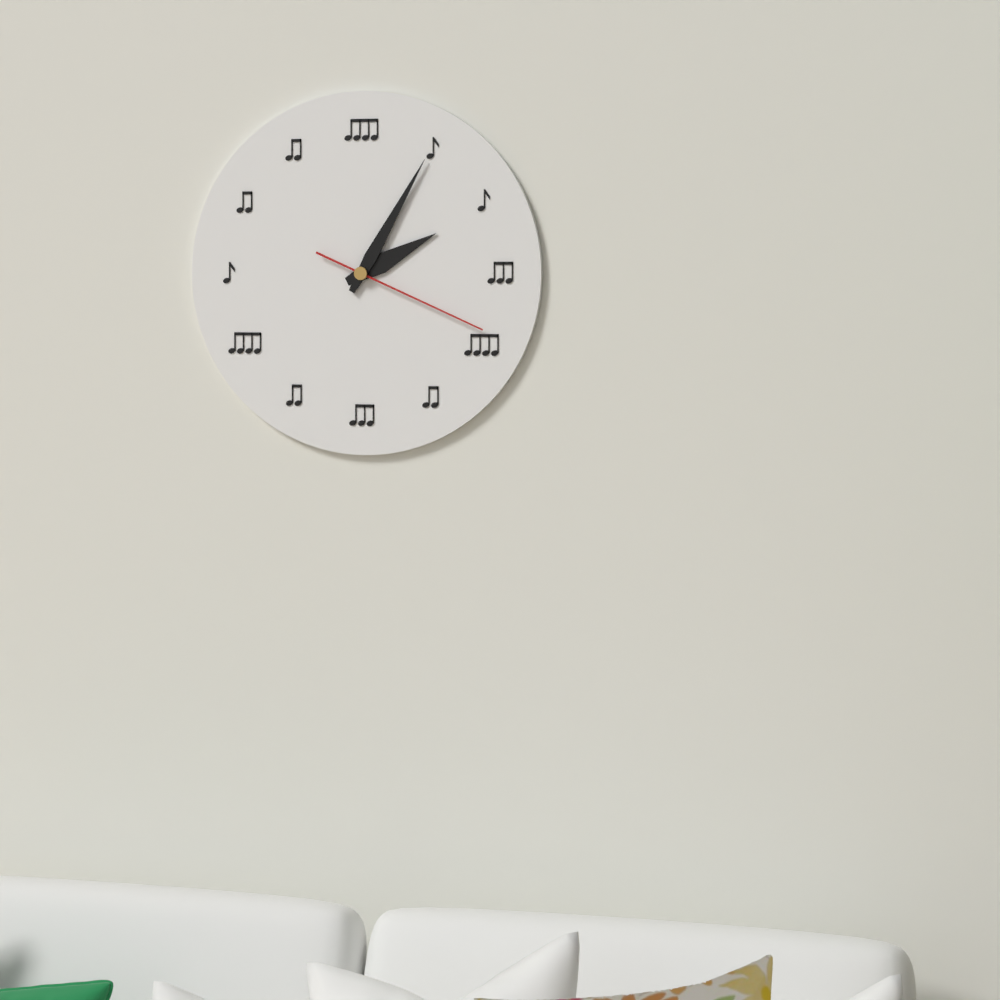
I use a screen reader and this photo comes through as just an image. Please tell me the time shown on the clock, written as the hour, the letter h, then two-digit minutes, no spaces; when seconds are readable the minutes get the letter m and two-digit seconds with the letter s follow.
2h05m19s
